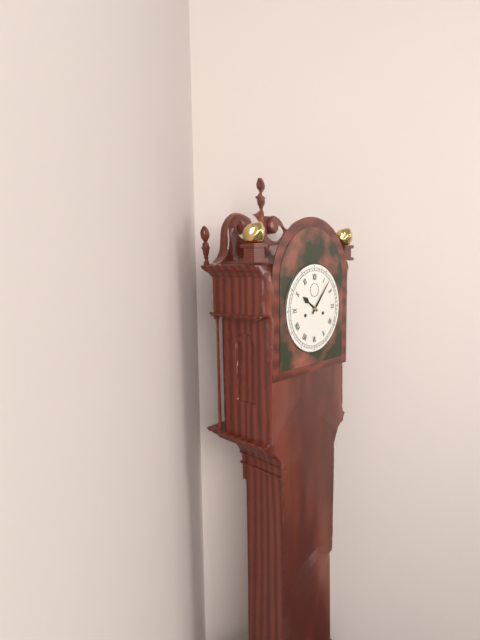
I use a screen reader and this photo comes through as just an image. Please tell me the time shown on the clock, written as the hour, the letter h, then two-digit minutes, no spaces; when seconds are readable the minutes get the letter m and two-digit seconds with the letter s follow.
10h07
